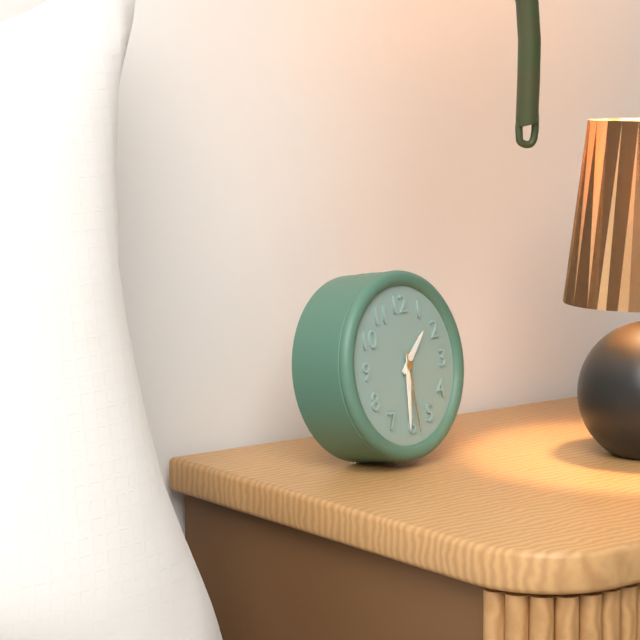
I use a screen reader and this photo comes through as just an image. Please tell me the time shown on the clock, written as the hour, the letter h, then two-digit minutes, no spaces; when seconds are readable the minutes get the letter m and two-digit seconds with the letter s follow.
1h31m29s
